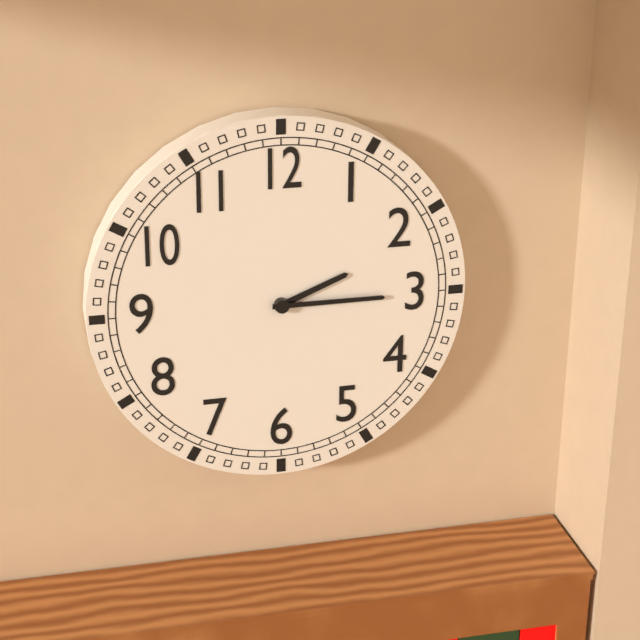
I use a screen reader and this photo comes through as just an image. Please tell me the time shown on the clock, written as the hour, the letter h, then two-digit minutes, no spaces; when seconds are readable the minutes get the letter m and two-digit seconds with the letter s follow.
2h15
